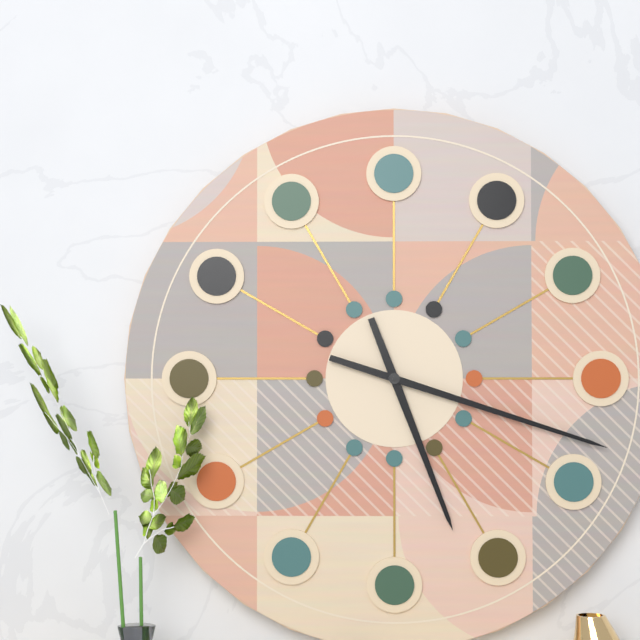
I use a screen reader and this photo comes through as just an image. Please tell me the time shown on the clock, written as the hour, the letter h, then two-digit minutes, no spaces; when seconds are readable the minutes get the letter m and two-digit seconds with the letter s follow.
5h18
